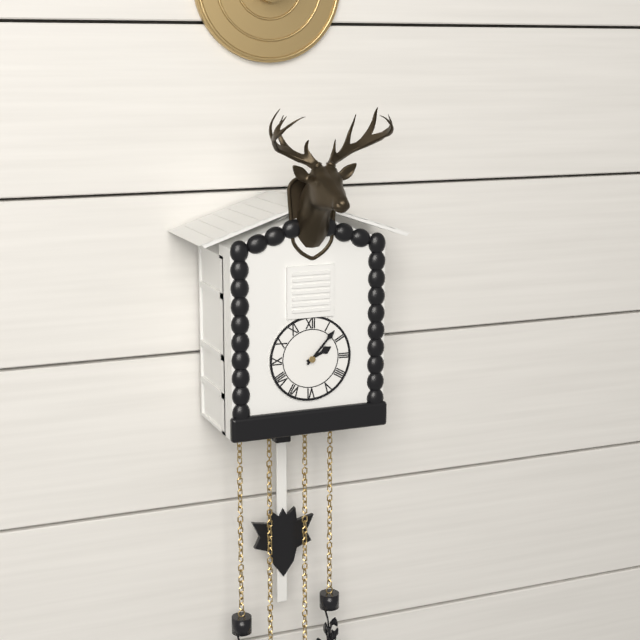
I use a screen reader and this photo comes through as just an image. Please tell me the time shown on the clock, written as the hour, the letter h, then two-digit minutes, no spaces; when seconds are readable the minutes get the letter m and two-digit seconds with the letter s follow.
2h07
